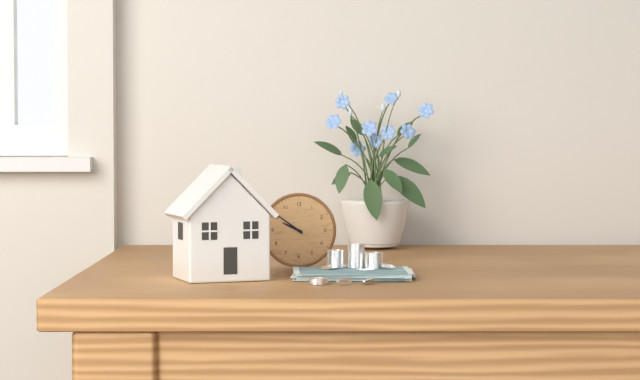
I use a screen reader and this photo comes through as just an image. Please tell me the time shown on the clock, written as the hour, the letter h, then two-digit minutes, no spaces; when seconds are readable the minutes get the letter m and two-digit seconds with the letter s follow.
9h51
